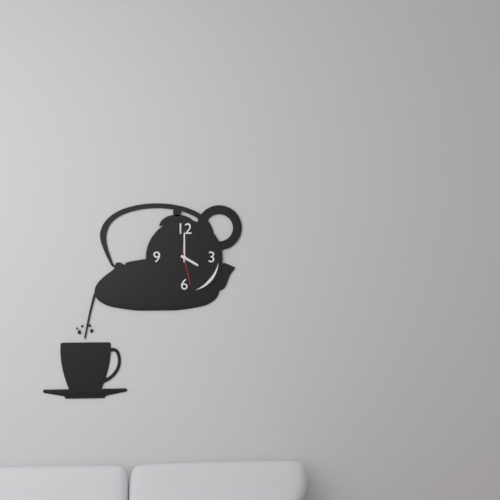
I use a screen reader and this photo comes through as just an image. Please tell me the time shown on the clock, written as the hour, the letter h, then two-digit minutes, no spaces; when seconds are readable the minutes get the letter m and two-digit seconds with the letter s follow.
4h00
